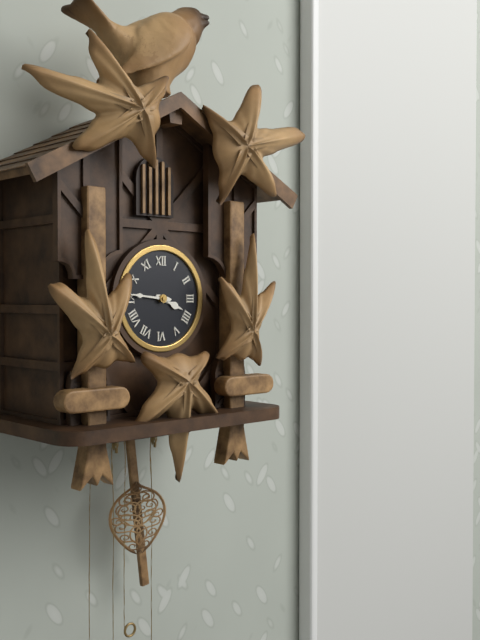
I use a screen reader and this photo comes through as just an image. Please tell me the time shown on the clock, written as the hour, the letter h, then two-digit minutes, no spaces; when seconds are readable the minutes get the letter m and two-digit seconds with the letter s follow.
3h46
